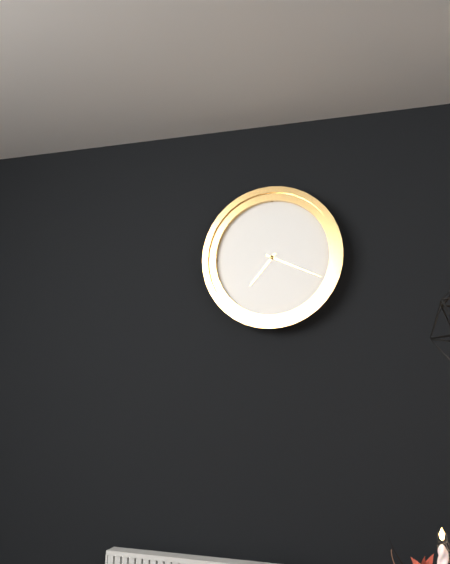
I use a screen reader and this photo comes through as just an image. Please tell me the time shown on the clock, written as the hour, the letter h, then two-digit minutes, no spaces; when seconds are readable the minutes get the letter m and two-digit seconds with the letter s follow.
7h19
